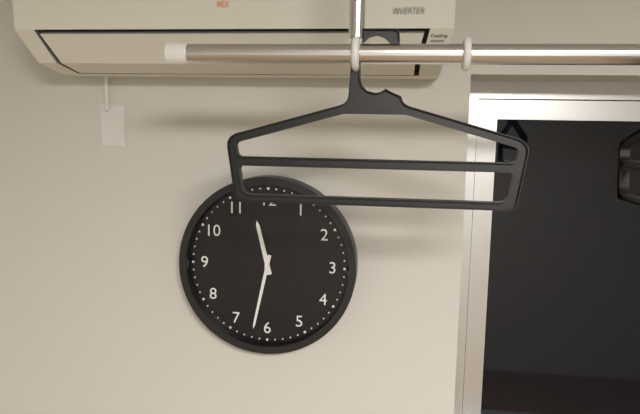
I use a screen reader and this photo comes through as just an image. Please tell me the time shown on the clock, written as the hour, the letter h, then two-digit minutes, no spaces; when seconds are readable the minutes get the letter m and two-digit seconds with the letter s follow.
11h32
